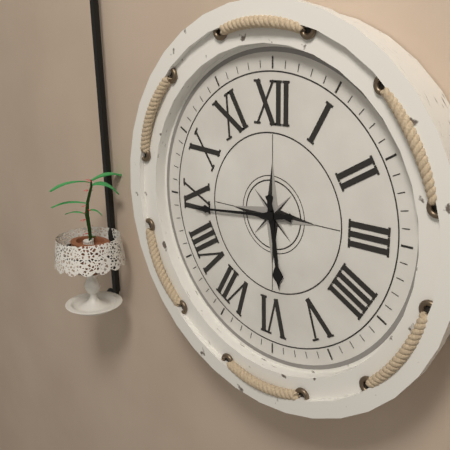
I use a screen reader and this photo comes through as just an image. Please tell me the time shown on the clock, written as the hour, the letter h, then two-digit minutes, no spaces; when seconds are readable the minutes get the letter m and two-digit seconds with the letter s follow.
5h44
